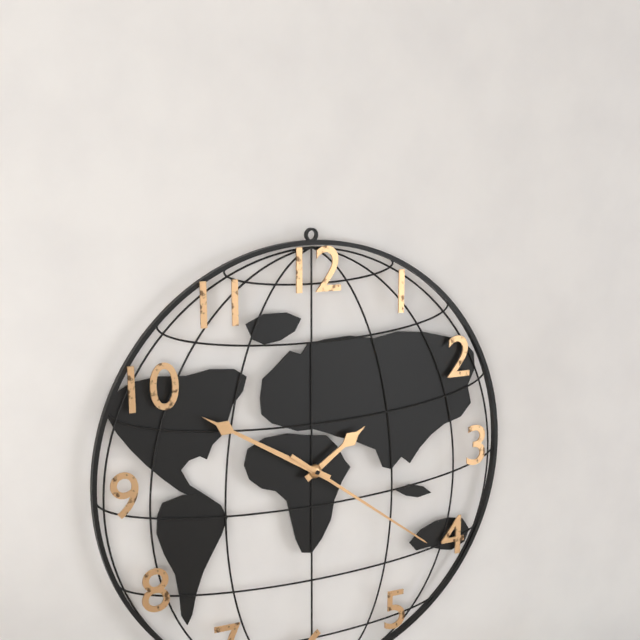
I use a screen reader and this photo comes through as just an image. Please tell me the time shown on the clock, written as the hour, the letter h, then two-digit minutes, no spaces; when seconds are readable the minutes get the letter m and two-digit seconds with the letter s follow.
1h50m21s
